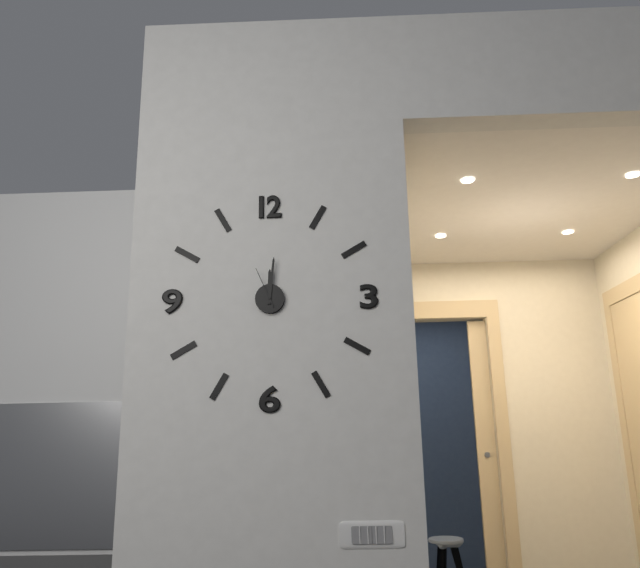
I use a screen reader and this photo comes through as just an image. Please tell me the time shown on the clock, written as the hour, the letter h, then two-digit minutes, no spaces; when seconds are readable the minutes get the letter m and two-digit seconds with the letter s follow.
12h01
